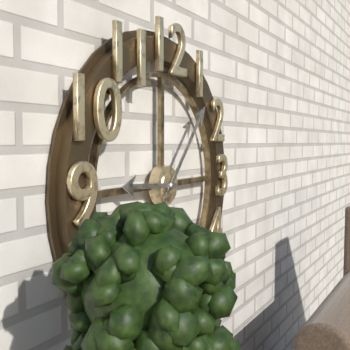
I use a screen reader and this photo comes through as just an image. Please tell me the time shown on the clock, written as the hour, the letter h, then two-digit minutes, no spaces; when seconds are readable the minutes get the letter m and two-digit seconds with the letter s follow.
9h07
